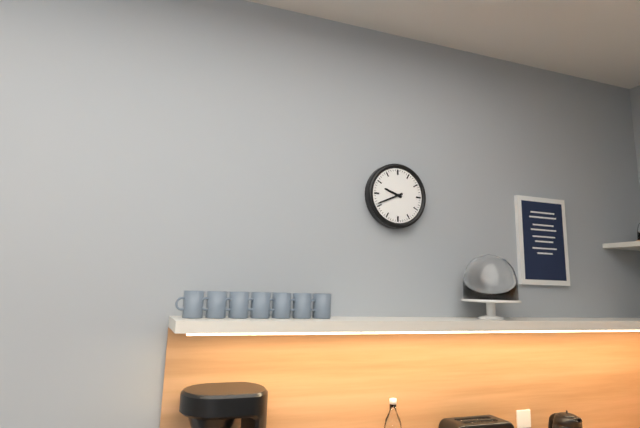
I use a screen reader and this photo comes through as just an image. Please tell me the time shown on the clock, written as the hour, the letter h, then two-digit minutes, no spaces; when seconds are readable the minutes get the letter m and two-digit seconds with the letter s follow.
9h41
